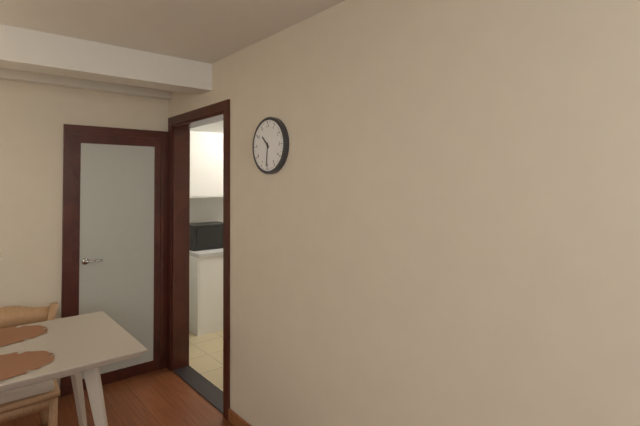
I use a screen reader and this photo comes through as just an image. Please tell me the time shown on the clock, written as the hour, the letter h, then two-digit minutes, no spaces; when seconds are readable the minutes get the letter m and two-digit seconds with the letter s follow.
10h31
